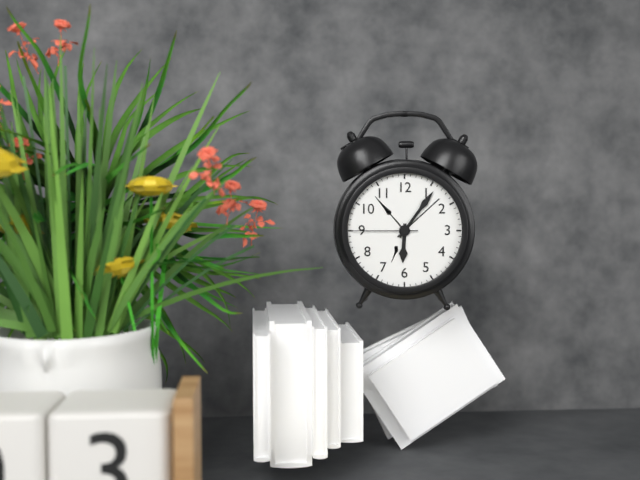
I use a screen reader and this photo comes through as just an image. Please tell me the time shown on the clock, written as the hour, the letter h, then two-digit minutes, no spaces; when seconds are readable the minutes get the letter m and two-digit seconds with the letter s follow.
6h06m45s
